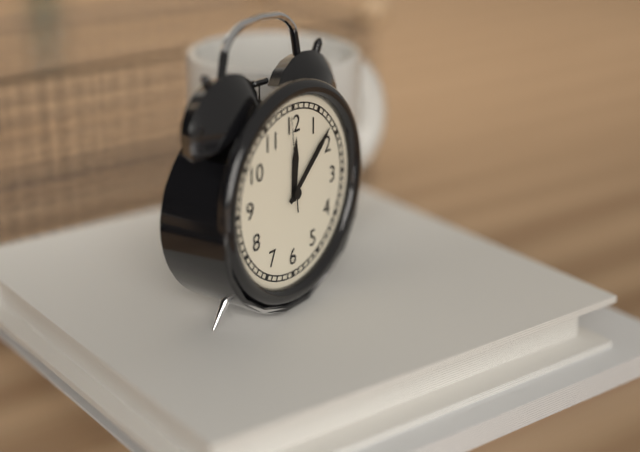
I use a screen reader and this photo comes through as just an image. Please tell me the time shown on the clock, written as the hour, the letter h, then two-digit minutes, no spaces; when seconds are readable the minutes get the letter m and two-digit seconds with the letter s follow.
12h08m59s
